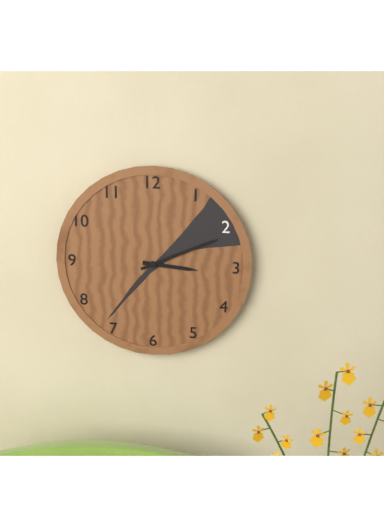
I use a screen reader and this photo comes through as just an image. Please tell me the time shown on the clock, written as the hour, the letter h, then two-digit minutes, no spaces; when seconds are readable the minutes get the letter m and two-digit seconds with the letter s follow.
3h11
